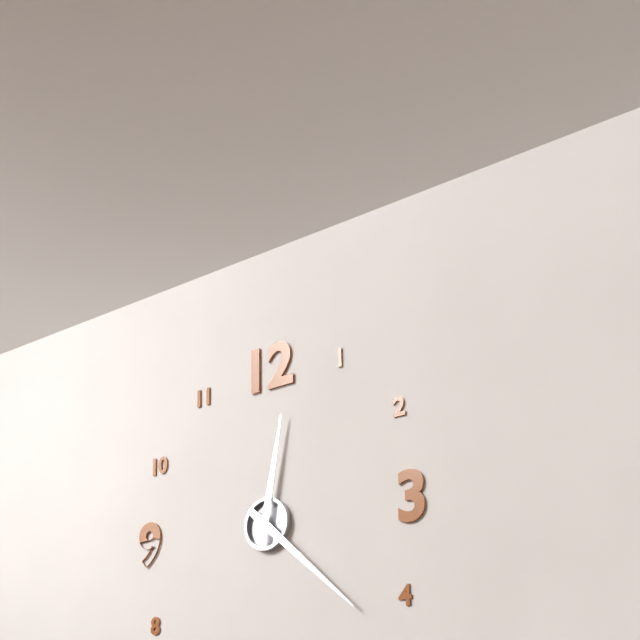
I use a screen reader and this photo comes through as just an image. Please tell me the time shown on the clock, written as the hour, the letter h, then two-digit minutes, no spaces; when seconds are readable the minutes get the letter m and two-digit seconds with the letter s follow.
12h22
